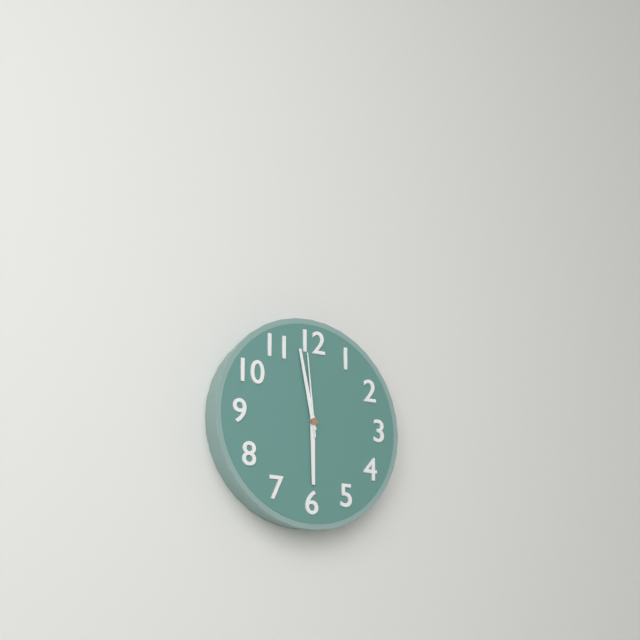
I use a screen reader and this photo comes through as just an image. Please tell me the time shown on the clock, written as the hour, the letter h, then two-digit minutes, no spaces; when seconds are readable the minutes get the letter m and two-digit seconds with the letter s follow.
5h58m59s
